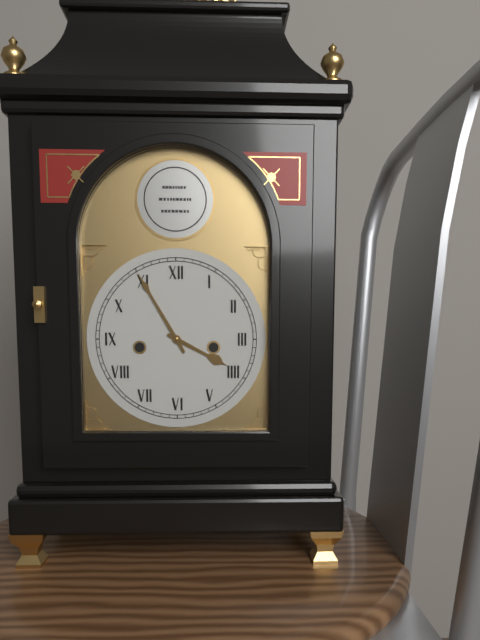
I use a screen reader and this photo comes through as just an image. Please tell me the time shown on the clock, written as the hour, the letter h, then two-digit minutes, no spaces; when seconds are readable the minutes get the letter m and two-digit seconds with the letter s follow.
3h55
